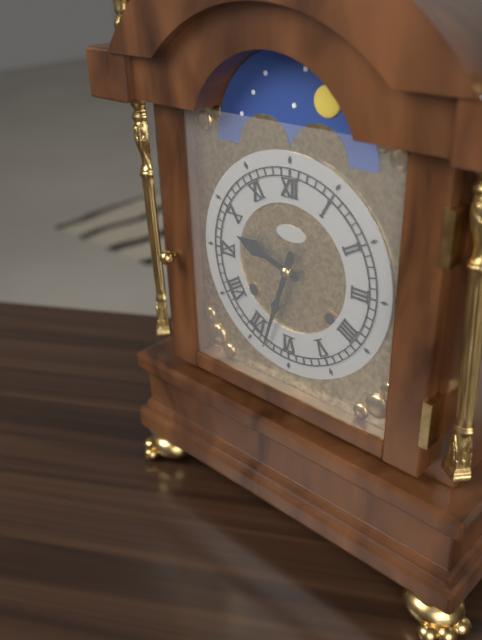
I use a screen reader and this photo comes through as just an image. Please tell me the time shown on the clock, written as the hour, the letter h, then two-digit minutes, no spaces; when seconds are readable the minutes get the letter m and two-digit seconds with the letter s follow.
9h33
